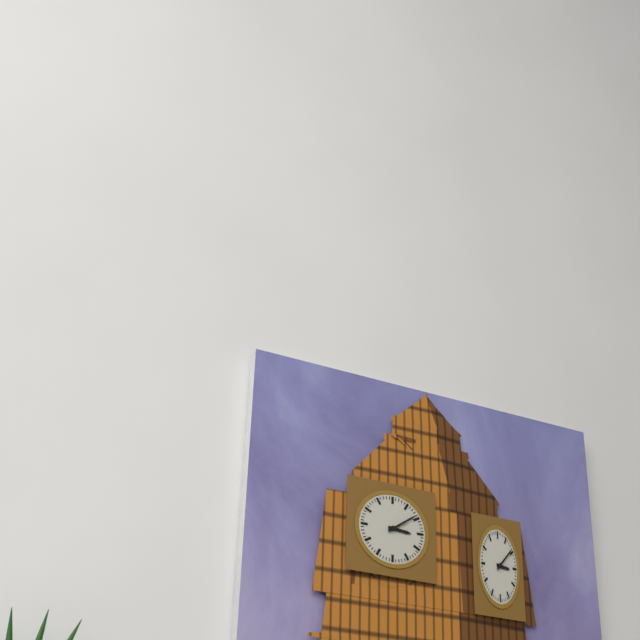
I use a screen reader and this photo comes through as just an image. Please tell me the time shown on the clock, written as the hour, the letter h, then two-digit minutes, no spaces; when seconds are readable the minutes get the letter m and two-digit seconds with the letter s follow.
3h09
